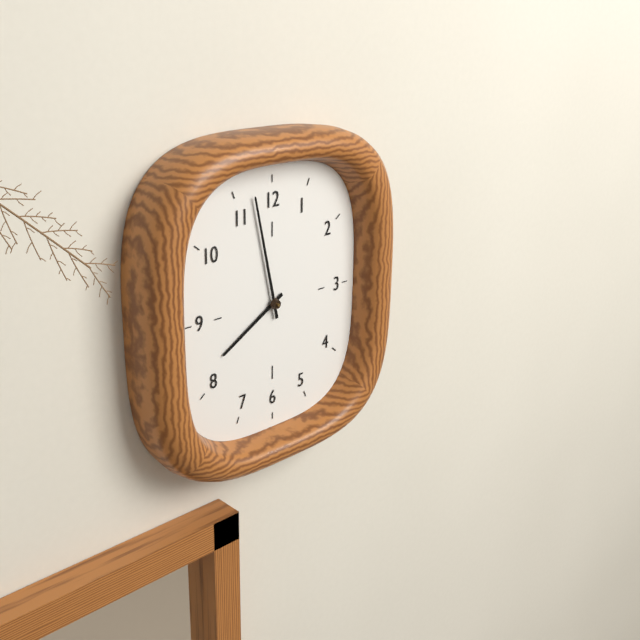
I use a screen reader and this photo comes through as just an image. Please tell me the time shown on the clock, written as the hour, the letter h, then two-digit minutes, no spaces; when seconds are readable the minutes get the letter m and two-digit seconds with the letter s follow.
7h58
